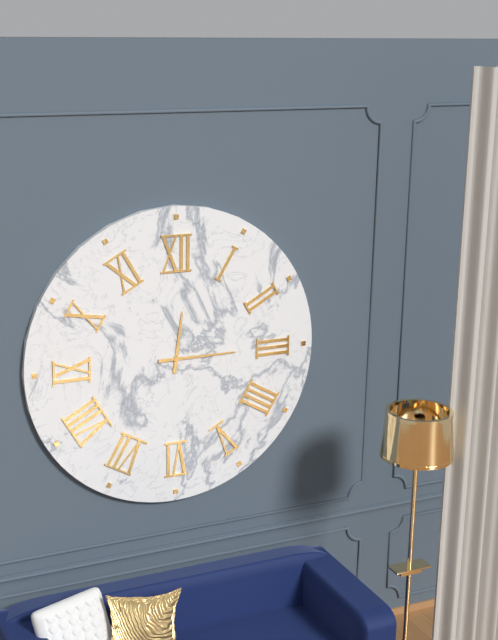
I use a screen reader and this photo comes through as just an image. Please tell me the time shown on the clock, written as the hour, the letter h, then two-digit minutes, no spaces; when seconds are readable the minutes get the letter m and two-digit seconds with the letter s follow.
12h15
